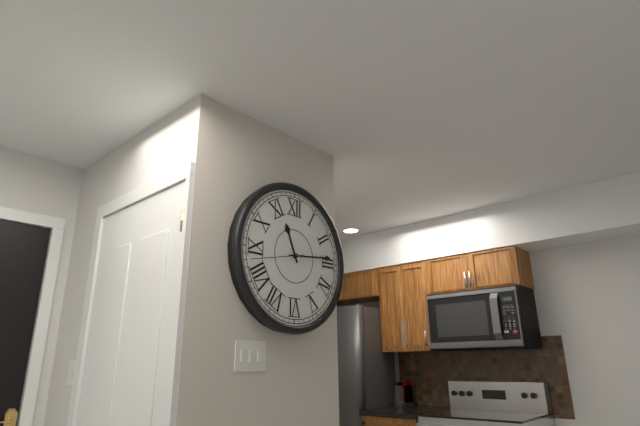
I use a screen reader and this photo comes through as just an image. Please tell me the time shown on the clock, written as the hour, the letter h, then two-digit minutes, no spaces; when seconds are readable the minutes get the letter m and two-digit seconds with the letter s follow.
11h14m43s
